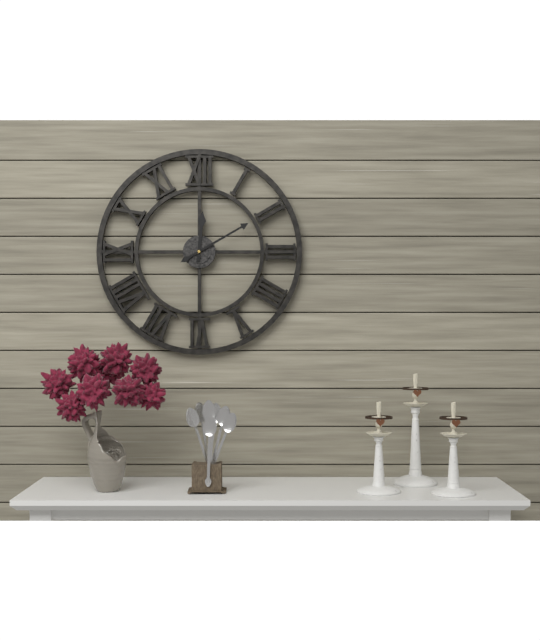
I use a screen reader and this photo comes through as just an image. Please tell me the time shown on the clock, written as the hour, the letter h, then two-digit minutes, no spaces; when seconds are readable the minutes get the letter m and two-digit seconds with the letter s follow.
12h10
